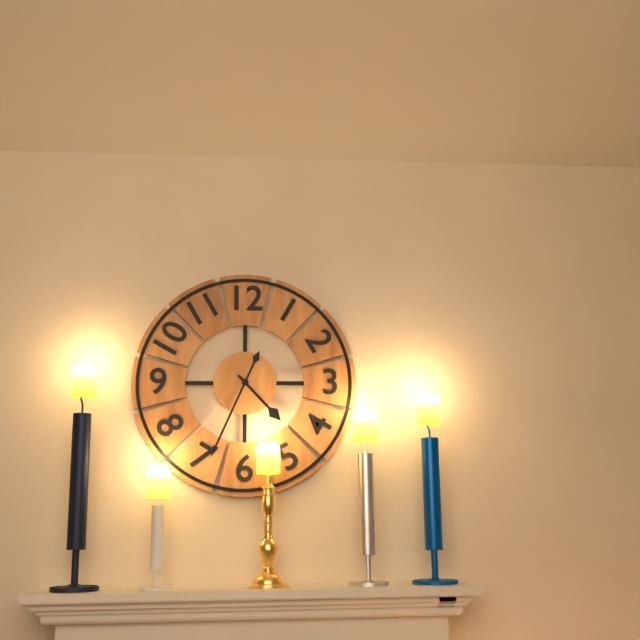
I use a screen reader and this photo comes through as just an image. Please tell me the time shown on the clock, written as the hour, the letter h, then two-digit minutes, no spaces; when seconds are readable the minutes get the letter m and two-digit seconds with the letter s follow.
4h34
